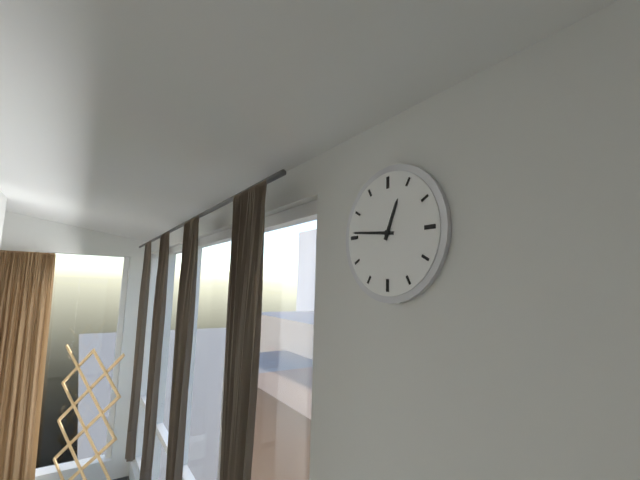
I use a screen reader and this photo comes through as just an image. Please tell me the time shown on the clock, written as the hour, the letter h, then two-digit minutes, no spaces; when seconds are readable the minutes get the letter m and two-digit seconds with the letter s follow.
12h46
